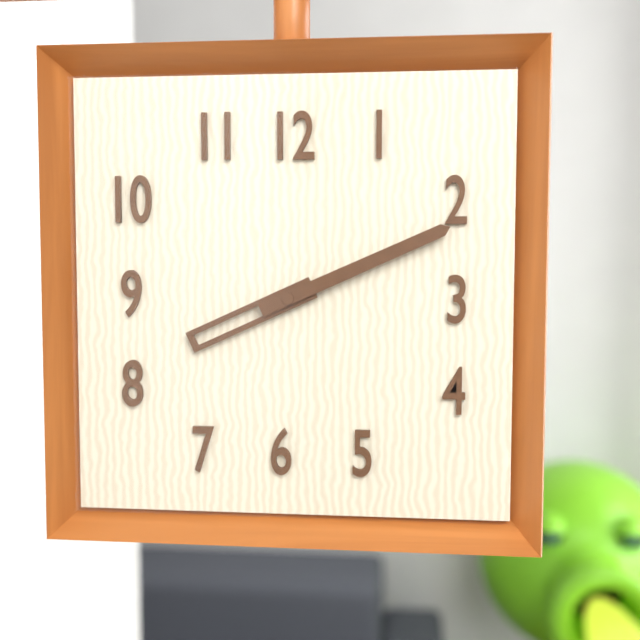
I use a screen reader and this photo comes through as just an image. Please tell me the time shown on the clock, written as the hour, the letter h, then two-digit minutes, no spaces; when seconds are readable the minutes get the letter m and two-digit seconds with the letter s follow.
8h11
